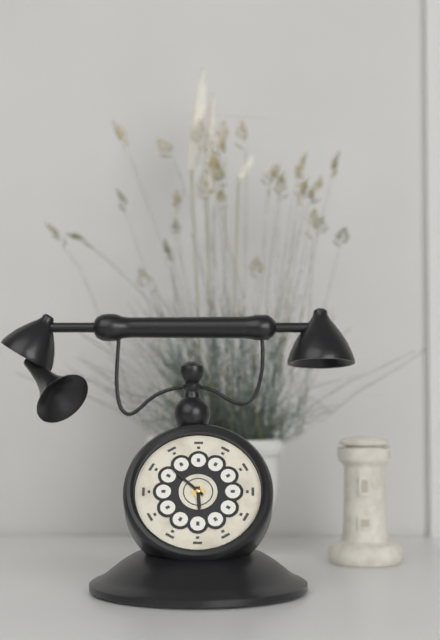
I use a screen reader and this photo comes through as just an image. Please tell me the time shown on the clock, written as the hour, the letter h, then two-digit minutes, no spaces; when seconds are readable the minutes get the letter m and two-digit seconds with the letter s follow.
5h52
